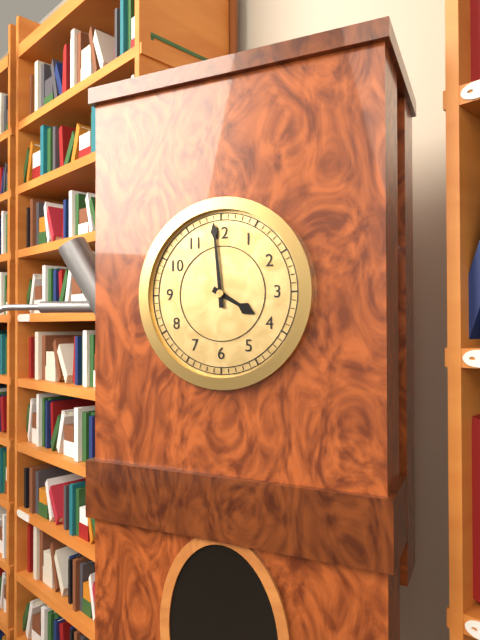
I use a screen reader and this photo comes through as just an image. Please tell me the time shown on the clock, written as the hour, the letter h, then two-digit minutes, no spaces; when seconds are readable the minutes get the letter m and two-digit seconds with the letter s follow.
3h59
